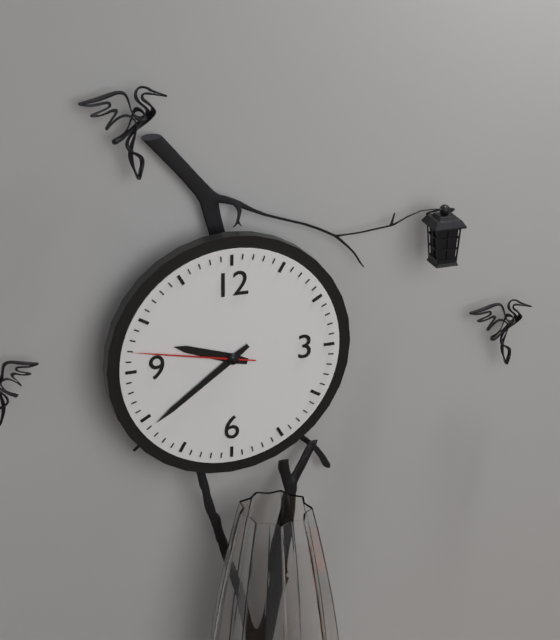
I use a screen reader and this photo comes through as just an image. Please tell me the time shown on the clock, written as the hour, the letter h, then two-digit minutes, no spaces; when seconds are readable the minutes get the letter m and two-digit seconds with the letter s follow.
9h39m47s
